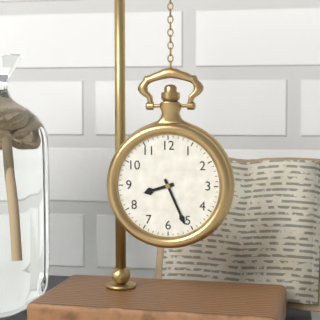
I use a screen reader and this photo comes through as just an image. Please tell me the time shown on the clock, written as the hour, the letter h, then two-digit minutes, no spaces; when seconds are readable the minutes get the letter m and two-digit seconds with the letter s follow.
8h26
